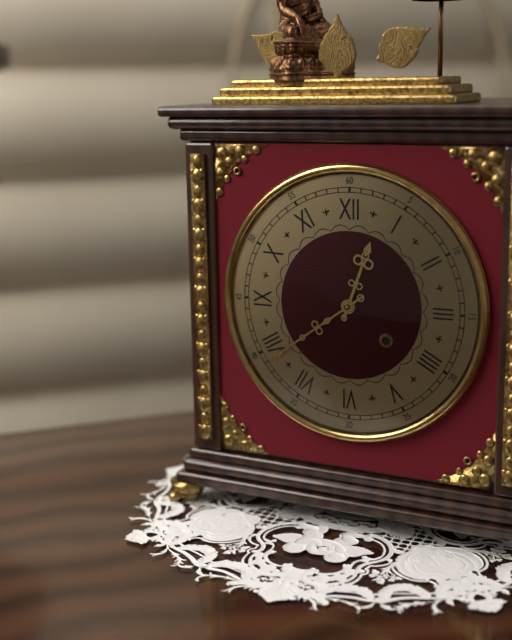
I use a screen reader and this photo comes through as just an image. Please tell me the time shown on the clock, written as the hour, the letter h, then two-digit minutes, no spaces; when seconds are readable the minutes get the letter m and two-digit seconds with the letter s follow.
12h39
